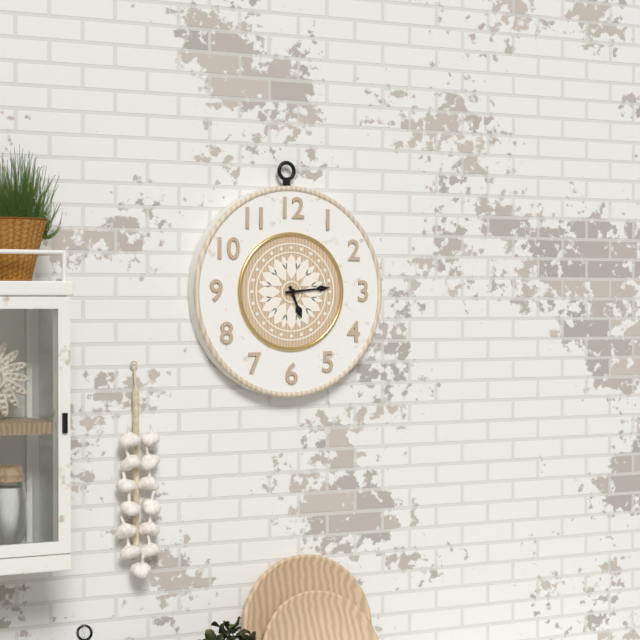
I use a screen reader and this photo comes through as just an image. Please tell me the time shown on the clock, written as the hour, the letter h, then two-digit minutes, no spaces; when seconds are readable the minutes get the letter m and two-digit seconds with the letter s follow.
5h14
